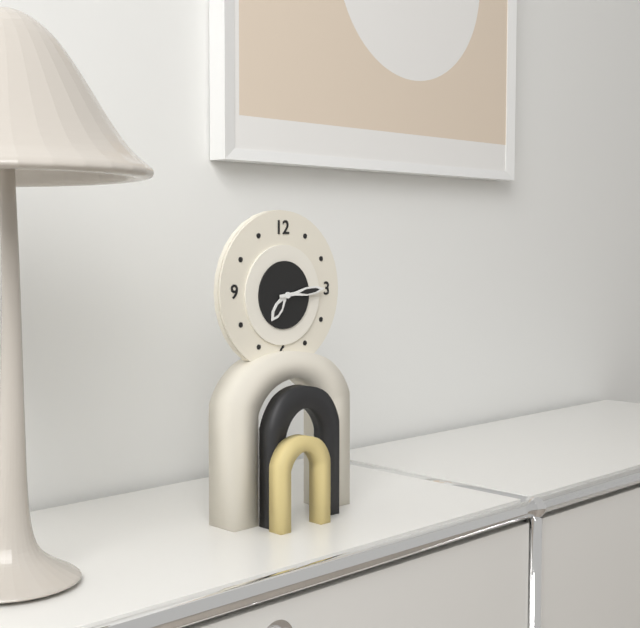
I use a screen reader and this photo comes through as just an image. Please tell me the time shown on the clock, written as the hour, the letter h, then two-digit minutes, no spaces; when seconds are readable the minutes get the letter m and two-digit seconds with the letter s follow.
7h14
